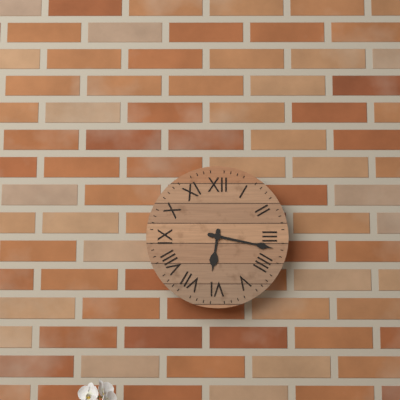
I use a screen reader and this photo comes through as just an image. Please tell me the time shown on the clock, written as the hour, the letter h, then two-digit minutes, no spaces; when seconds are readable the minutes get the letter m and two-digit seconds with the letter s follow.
6h17
